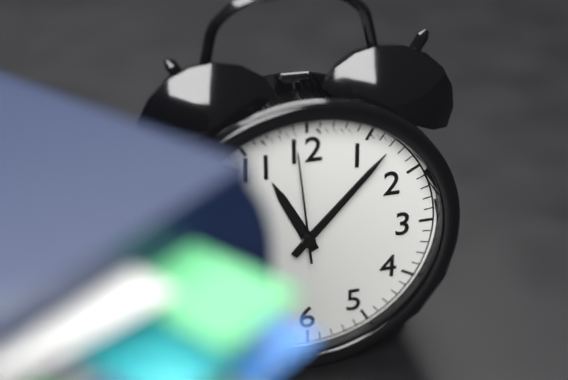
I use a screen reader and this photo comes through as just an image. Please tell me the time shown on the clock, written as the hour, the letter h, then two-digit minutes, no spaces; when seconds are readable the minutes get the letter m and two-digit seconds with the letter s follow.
11h07m59s
